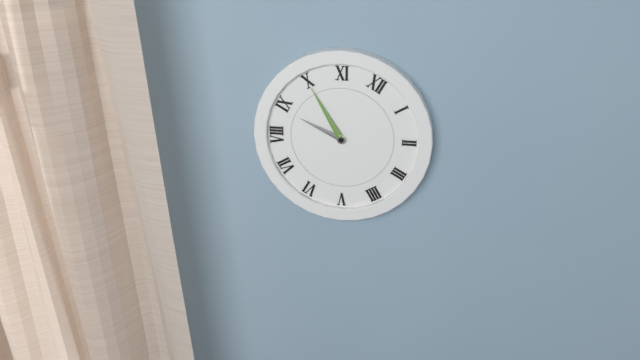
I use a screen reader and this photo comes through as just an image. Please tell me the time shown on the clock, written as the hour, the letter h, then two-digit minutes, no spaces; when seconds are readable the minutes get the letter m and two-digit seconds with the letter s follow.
8h50
